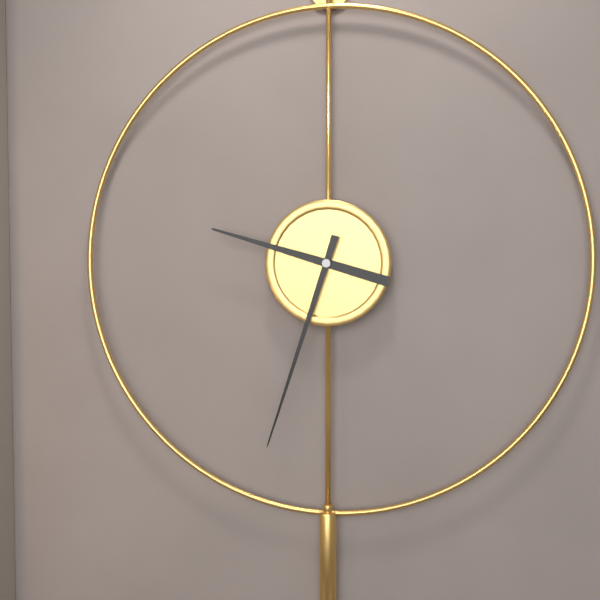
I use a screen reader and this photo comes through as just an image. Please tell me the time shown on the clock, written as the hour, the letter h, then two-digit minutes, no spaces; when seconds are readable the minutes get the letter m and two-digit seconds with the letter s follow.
9h33
